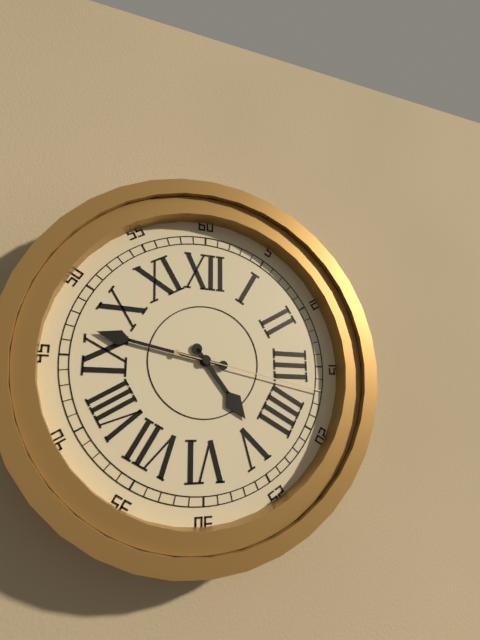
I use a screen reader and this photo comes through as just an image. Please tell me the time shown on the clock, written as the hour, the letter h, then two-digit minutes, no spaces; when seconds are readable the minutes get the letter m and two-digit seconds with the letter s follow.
4h47m17s
